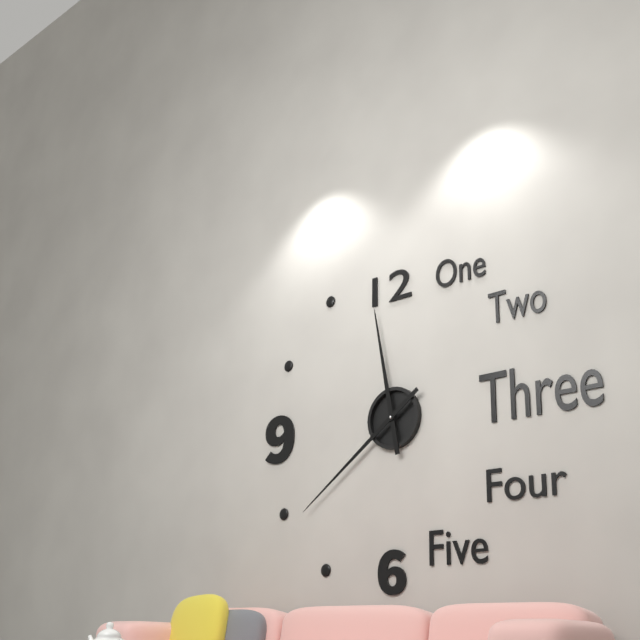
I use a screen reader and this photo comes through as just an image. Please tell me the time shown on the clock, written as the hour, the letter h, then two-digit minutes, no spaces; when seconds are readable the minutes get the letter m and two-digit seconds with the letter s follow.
11h39
